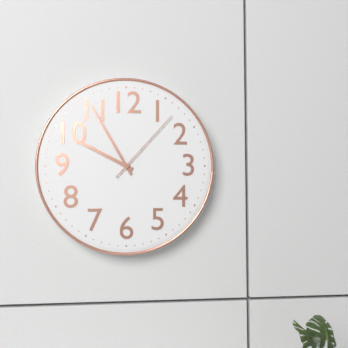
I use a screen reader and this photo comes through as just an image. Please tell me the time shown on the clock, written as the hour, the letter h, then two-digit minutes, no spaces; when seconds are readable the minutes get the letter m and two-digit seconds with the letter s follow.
9h55m07s
